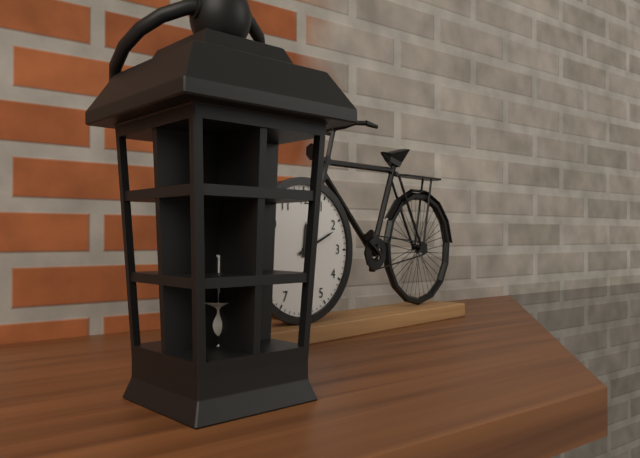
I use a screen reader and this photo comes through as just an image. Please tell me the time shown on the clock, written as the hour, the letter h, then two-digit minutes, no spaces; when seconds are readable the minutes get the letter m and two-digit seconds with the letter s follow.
12h11
